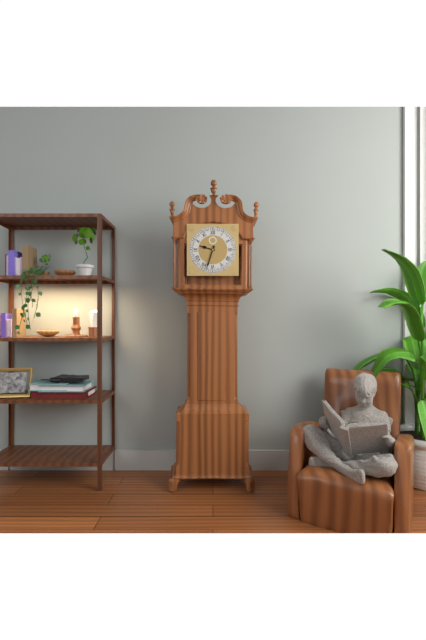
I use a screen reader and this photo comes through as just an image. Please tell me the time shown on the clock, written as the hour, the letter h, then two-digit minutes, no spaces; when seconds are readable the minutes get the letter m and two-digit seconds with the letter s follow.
9h33
